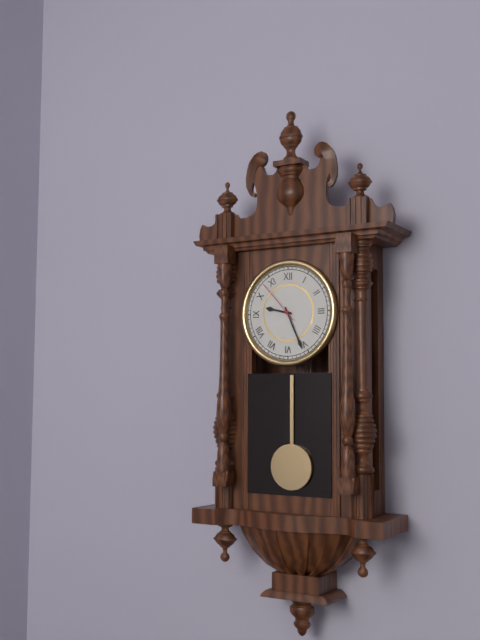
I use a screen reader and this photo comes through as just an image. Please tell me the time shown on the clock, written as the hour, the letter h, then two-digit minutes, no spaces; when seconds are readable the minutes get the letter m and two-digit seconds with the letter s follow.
9h26
